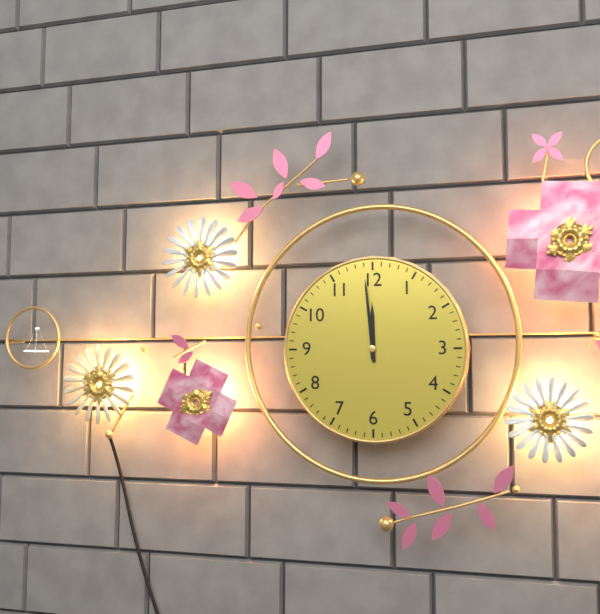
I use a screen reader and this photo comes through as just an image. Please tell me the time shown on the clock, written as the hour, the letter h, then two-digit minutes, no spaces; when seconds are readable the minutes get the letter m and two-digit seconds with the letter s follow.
11h59
